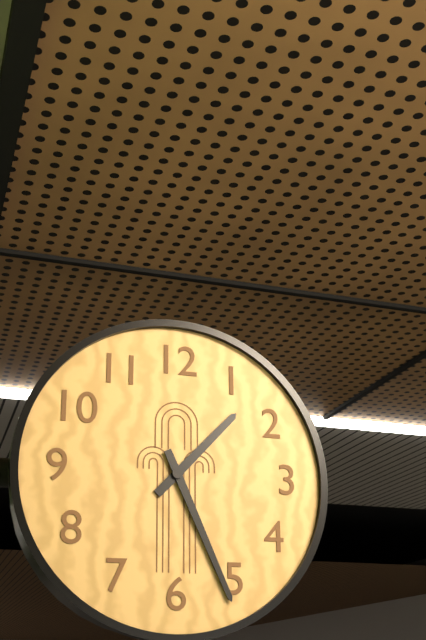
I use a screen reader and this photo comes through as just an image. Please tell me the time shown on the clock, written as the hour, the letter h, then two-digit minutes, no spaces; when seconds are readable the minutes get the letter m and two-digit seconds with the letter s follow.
1h26
